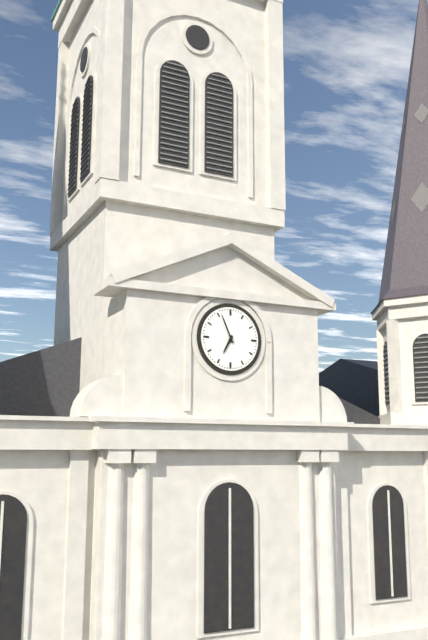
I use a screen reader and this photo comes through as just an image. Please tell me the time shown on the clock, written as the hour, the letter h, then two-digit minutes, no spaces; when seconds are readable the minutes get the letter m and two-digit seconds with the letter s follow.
6h56
